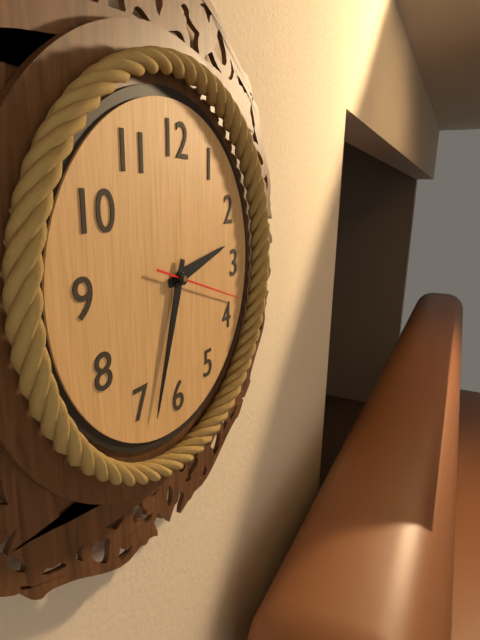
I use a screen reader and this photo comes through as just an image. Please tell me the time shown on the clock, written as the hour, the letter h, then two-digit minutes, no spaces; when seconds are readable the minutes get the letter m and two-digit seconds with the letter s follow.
2h33m18s
